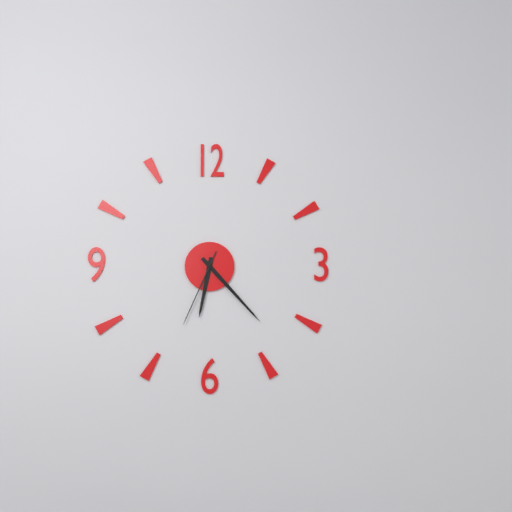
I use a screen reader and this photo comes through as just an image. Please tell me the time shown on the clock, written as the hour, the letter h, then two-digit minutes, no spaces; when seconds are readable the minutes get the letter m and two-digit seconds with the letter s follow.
6h23m34s
